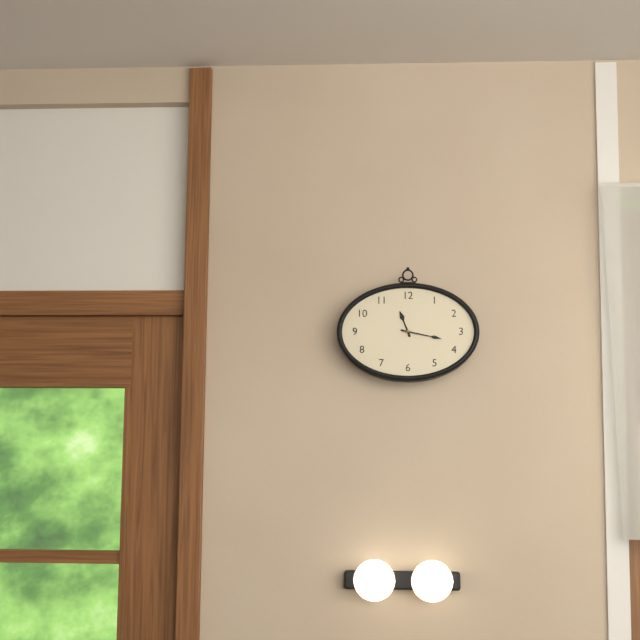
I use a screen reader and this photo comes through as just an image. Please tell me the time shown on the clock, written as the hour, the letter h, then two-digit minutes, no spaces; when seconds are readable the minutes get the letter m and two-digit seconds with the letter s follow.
11h17
